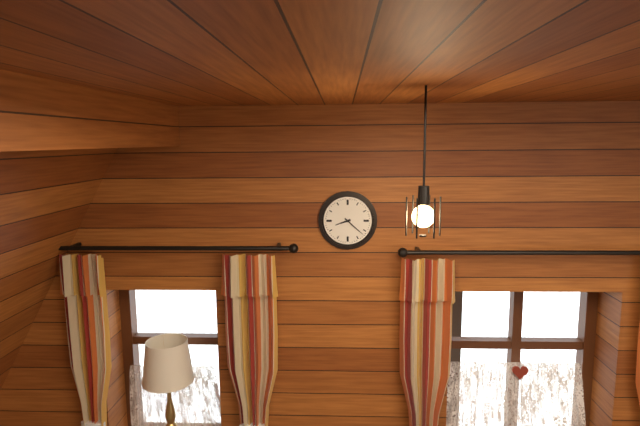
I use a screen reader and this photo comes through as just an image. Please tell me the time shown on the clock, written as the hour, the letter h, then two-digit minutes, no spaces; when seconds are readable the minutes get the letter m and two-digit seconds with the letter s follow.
8h22
